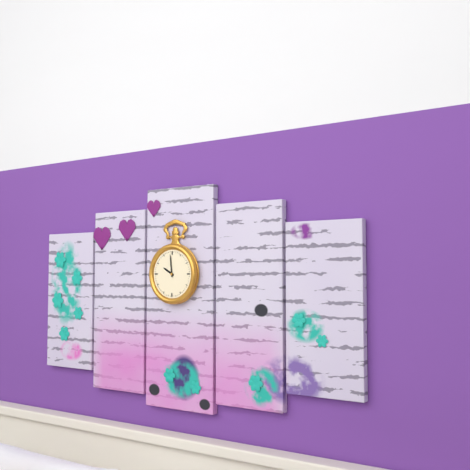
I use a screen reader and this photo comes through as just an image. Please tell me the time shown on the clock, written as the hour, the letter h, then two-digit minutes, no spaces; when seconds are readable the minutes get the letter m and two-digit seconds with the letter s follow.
9h59
